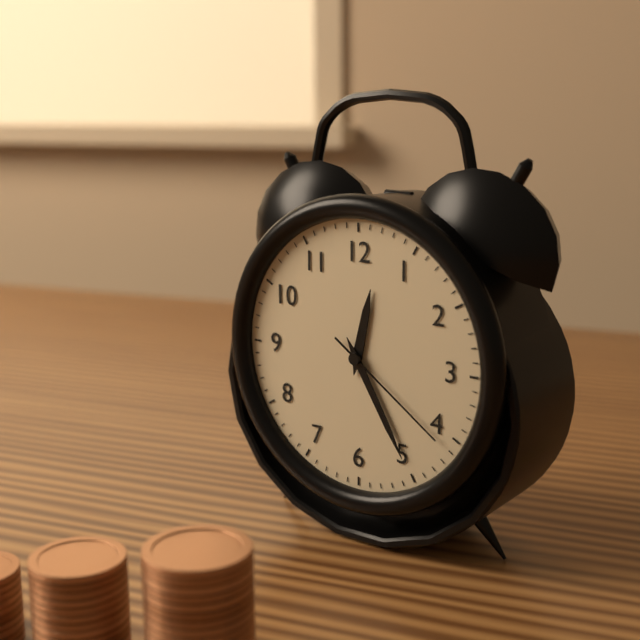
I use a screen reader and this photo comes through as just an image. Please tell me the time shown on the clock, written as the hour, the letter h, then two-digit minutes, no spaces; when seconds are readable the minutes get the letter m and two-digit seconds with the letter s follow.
12h25m21s
